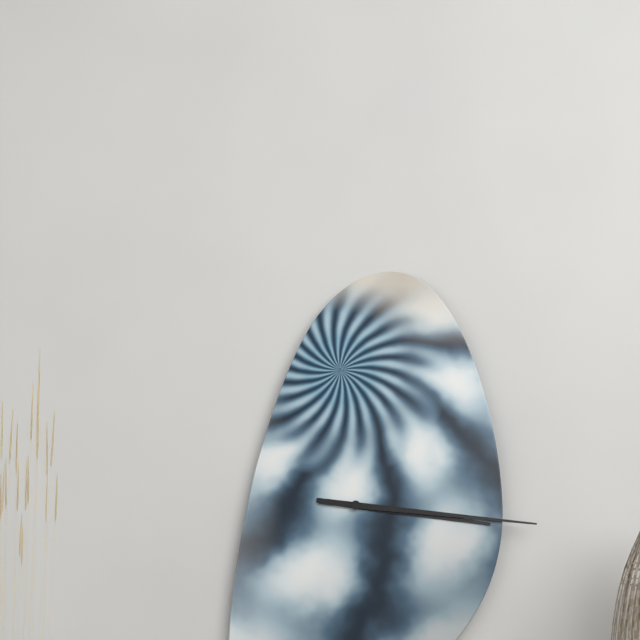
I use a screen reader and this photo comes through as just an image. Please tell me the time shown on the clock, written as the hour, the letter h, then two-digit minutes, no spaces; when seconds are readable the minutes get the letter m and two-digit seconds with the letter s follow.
3h16
